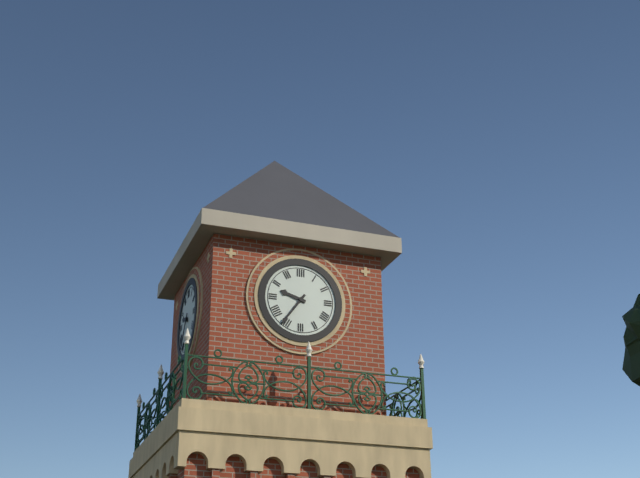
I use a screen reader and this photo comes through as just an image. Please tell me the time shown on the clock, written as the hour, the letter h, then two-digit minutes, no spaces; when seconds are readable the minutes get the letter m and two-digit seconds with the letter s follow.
9h36
